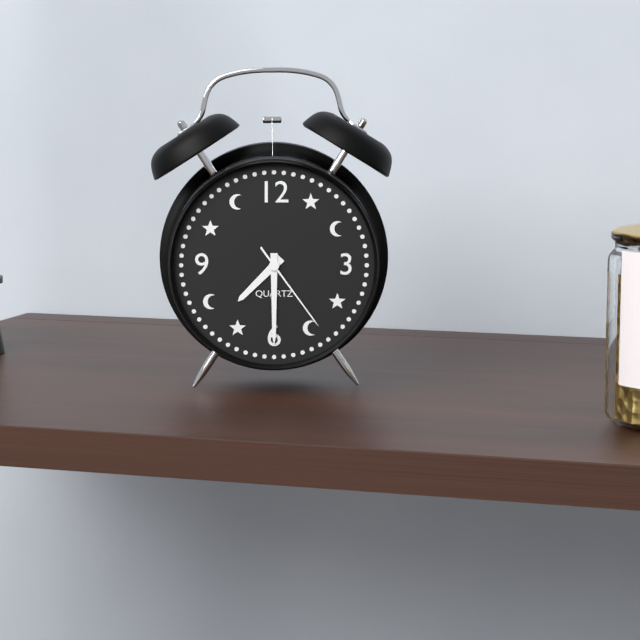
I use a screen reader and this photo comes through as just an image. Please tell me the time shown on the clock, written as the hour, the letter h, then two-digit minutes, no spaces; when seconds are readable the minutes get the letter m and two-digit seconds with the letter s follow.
7h30m24s
